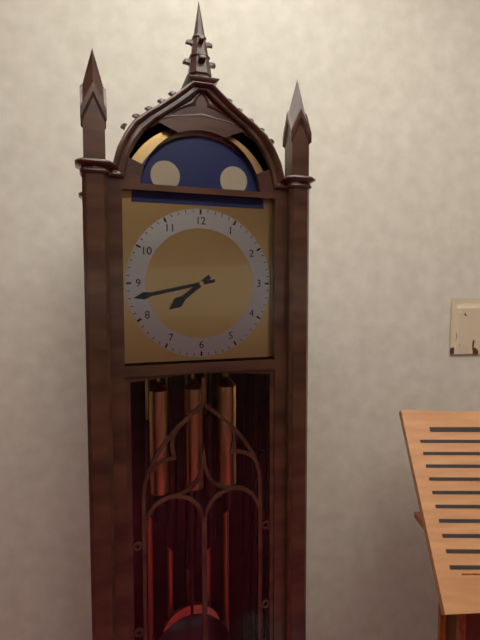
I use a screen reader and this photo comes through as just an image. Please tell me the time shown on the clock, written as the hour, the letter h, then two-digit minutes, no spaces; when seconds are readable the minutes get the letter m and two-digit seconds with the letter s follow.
7h43
